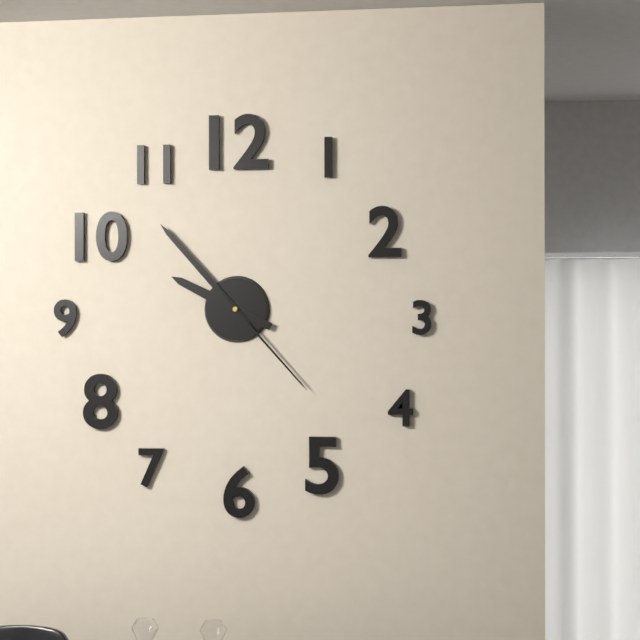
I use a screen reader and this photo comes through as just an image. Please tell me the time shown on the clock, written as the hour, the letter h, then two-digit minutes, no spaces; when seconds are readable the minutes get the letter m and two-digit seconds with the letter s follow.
9h53m23s
